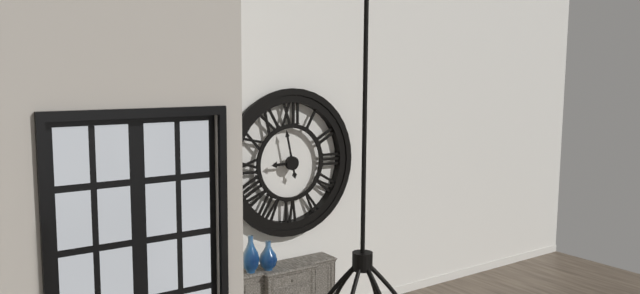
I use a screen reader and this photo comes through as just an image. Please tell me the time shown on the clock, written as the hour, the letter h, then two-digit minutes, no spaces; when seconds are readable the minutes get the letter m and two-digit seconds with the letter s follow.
8h58
